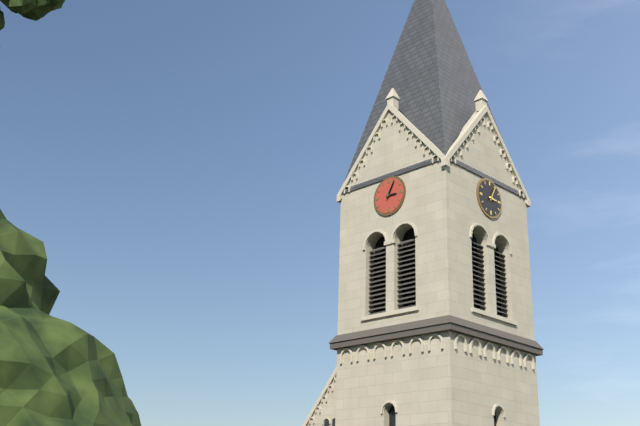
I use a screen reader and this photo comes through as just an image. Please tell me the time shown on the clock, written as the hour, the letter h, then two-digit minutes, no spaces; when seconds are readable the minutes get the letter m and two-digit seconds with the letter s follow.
3h05
